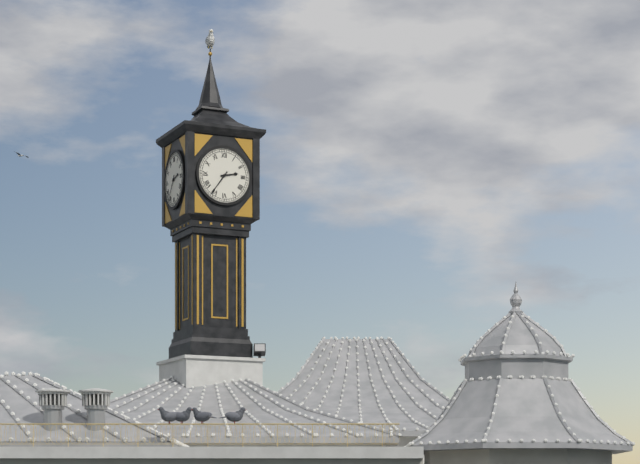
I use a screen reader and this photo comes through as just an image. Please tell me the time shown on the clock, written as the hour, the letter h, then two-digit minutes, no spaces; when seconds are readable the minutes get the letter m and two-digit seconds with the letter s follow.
2h36
